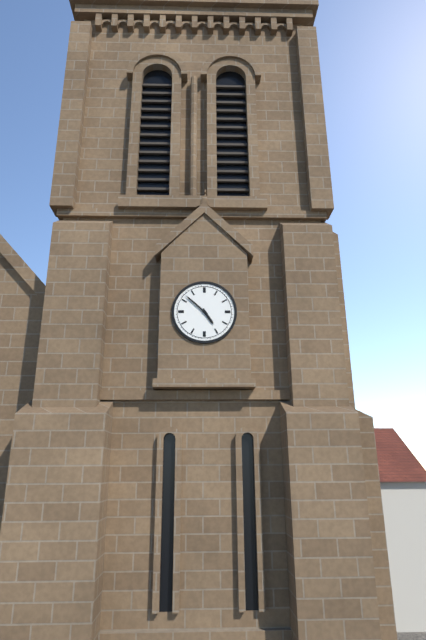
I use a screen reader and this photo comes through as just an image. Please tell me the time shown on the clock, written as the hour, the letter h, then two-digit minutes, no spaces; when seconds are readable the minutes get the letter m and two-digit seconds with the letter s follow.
4h52
